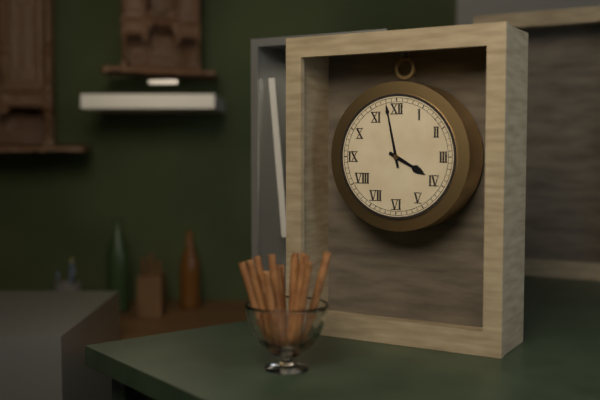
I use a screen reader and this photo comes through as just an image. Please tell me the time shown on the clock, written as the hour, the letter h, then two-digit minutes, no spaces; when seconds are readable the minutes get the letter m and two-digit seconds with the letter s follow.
3h58
